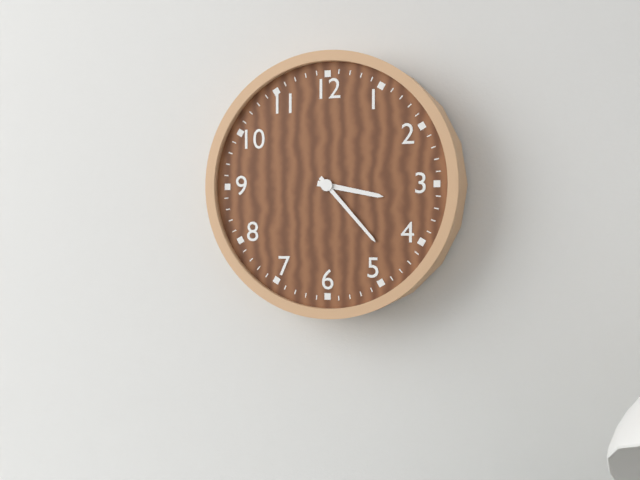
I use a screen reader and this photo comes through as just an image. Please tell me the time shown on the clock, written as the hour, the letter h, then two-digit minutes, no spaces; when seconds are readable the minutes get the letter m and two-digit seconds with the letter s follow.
3h23
